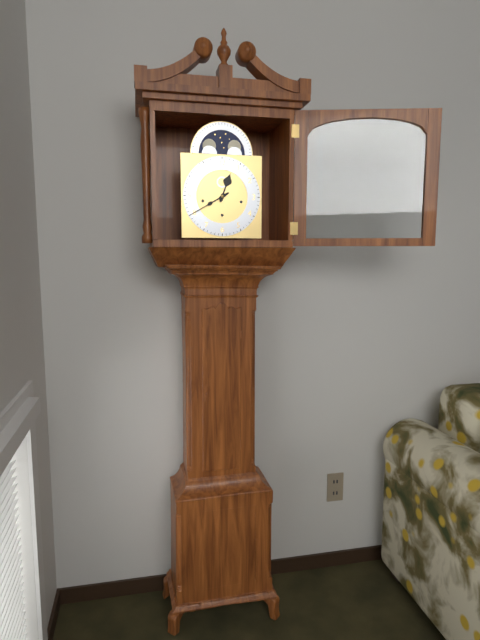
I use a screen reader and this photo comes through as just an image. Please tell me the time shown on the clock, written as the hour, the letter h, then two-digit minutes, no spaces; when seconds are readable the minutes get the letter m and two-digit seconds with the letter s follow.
12h40
